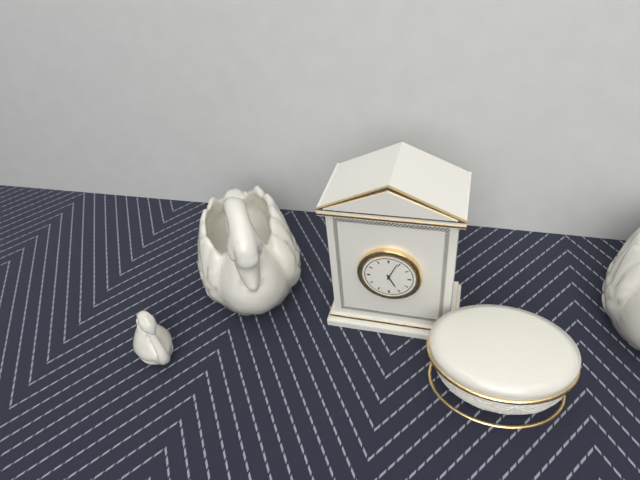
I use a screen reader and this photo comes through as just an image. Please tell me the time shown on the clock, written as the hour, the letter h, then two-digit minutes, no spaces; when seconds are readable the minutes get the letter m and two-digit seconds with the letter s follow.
5h04
